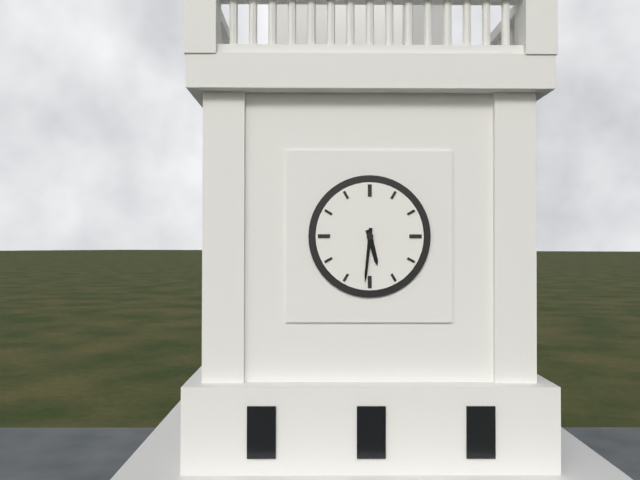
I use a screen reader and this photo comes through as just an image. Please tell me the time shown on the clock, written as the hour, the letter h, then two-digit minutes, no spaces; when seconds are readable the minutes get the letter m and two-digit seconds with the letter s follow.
5h31
